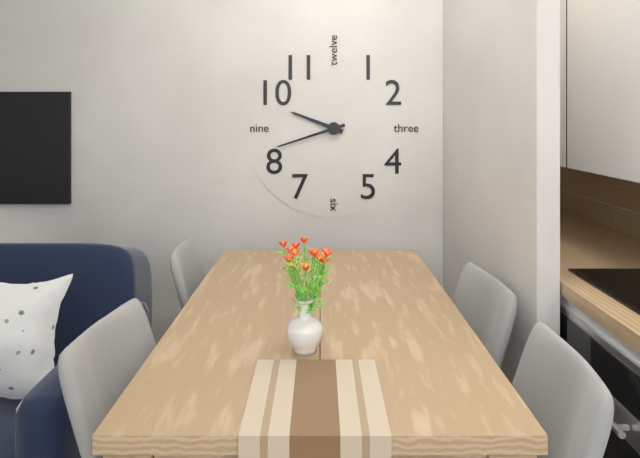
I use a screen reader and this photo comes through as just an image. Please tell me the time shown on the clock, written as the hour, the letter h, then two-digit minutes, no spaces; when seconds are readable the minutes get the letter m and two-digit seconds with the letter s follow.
9h42
